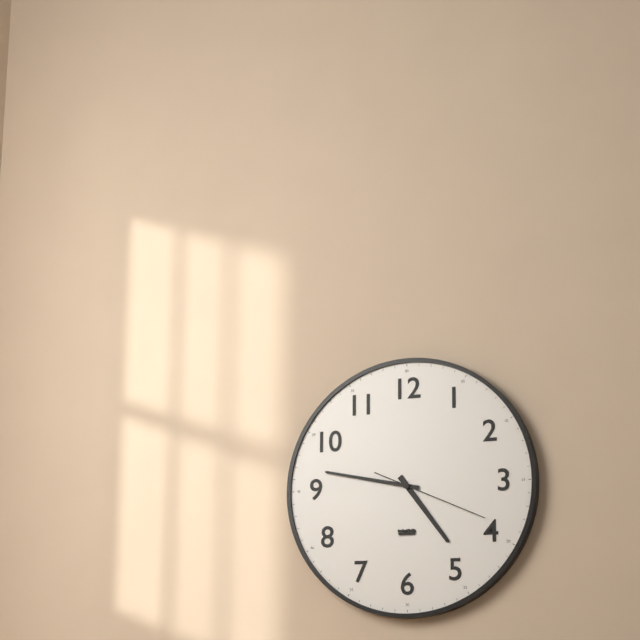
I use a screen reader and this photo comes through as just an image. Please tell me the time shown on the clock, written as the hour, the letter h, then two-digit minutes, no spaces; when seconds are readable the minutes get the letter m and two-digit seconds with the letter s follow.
4h47m19s
